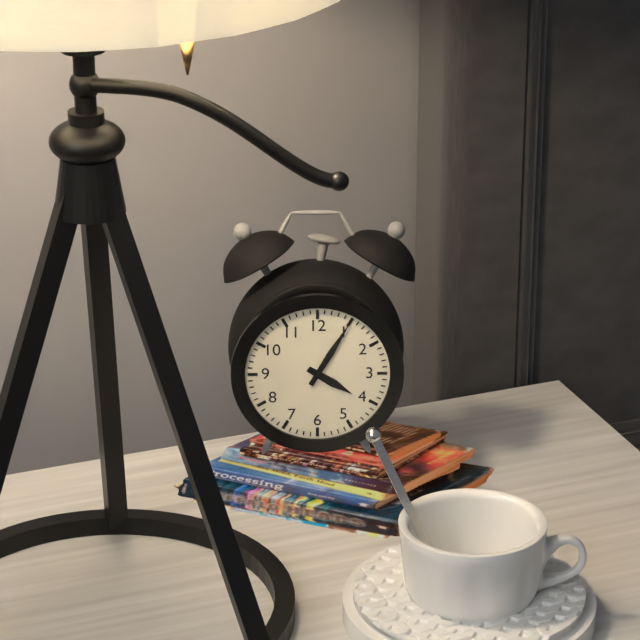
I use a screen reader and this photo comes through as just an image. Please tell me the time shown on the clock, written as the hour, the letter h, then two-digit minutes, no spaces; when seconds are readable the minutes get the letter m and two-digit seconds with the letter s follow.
4h05
